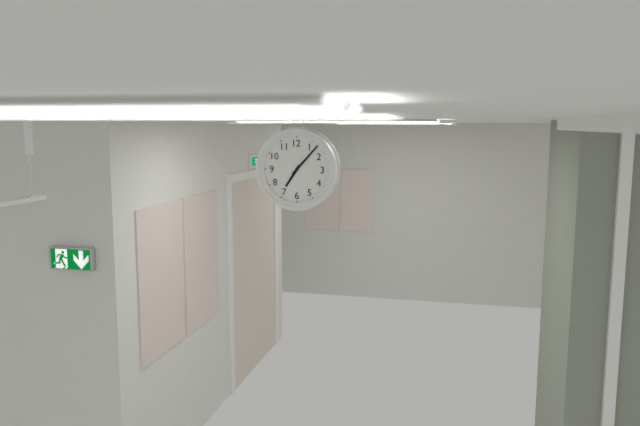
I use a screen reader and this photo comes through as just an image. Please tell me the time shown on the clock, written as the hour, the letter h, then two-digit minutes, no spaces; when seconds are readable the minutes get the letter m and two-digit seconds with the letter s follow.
7h07
